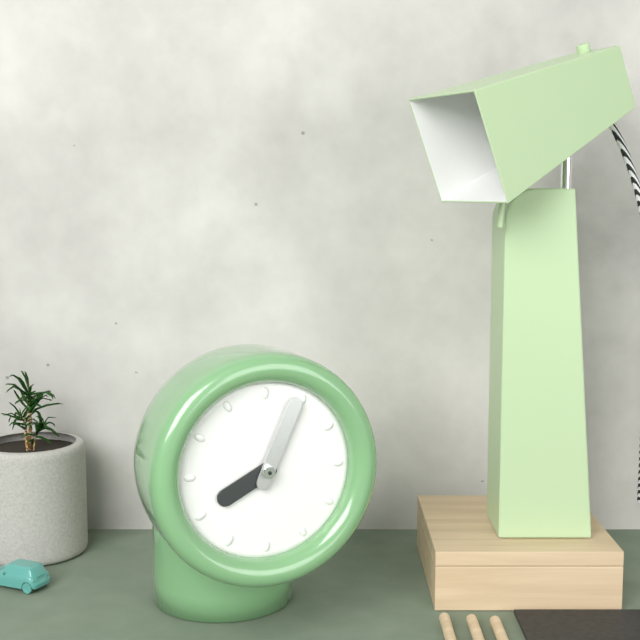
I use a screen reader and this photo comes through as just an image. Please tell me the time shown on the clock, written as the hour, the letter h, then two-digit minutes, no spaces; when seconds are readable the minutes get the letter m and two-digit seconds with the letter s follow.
8h04
